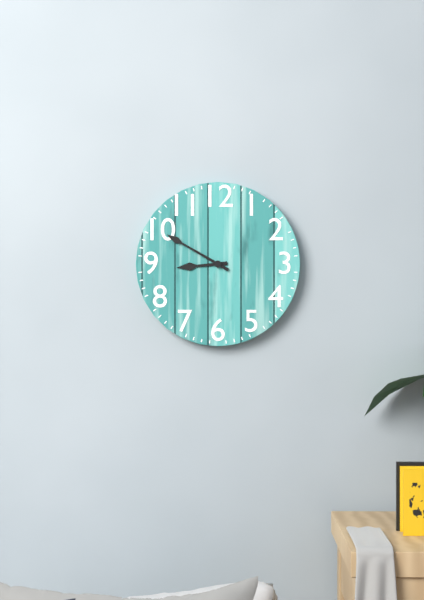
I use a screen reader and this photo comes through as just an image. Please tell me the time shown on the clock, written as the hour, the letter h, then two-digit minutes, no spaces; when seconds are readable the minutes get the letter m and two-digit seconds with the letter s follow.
8h50
